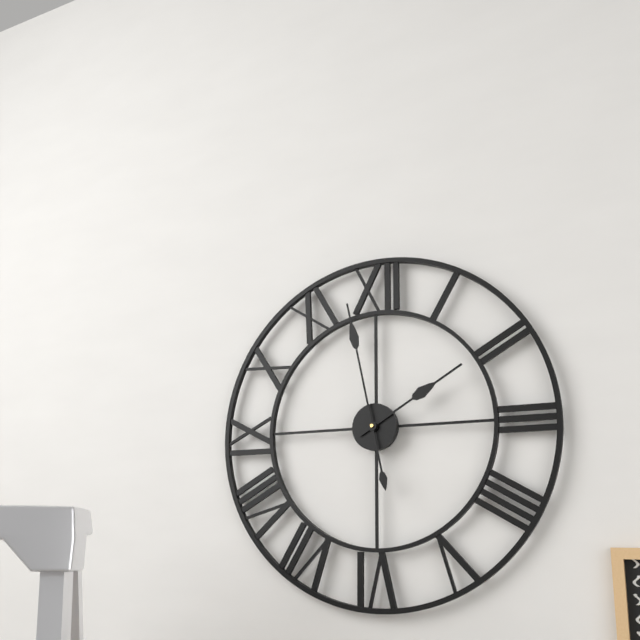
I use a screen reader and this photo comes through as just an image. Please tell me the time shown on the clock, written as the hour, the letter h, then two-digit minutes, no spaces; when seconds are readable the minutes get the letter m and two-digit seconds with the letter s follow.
1h58
